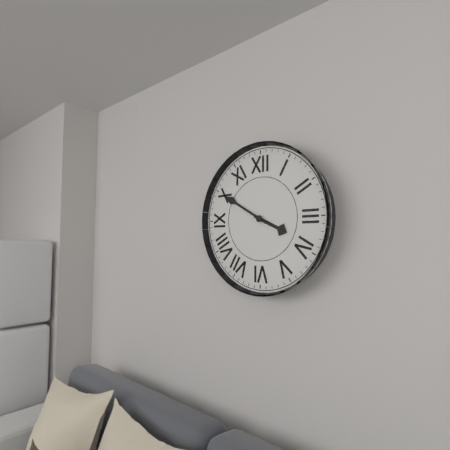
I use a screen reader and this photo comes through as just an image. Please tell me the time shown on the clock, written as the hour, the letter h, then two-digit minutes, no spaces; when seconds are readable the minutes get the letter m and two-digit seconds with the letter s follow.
3h50
